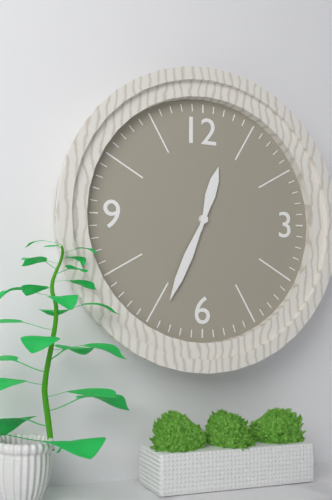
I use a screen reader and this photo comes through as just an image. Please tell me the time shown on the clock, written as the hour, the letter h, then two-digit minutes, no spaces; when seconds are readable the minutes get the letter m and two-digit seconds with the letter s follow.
12h34
